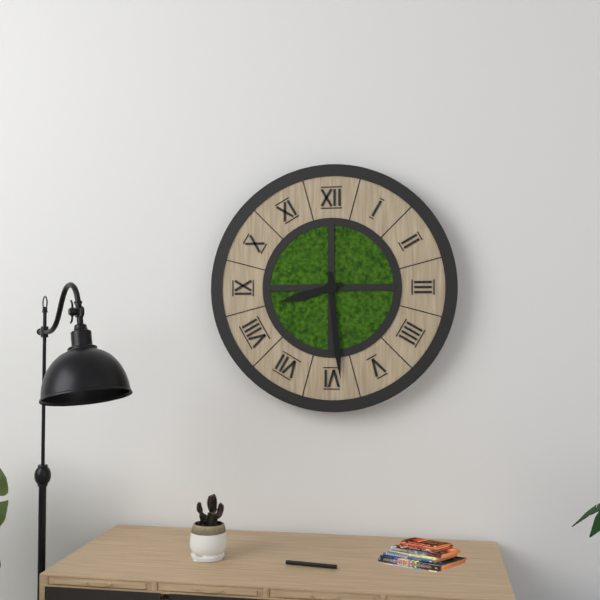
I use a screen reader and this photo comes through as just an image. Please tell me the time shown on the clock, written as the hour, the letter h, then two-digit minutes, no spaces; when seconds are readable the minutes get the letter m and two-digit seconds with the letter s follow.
8h29
